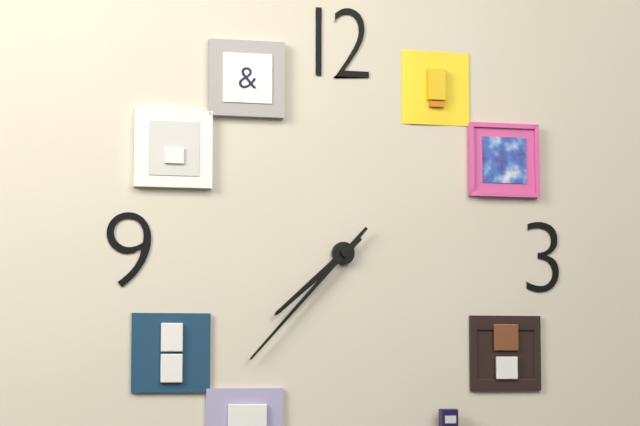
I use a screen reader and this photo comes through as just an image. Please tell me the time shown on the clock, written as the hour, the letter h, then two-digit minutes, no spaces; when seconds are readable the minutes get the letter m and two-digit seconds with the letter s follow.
7h37
